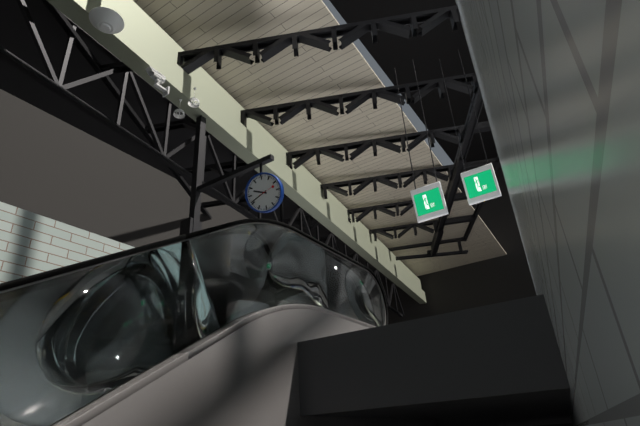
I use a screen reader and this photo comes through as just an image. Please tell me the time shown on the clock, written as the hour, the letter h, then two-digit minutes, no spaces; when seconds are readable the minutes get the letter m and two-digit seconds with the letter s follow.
9h41
